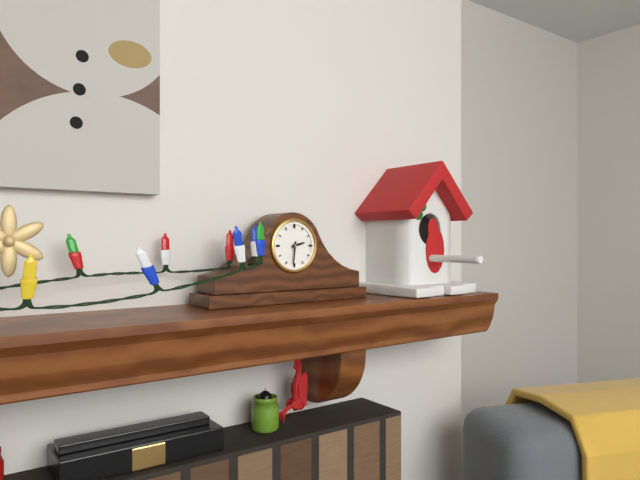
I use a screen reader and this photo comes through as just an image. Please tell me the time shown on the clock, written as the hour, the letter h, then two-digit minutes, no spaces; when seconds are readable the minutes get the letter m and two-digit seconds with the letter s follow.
2h31
